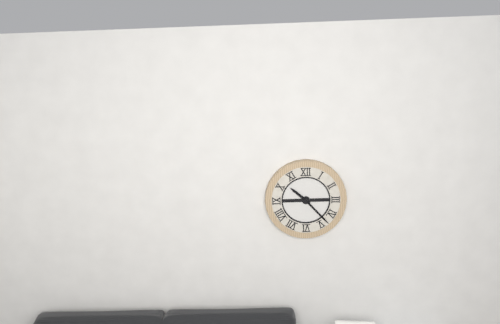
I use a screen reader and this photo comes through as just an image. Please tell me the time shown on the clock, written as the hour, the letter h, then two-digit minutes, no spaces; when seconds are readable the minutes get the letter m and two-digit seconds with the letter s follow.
10h23
